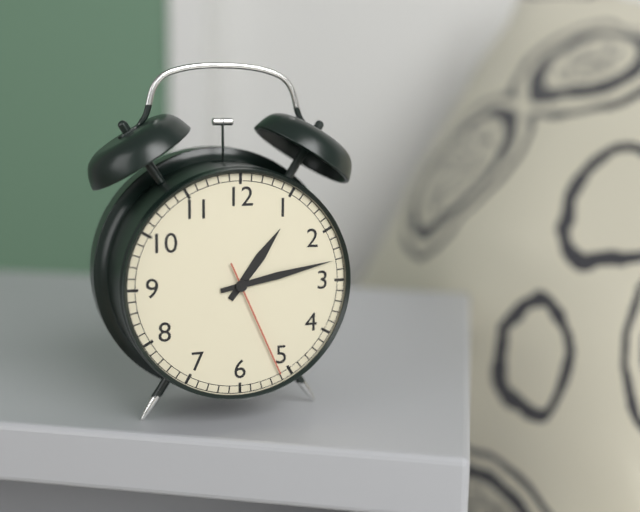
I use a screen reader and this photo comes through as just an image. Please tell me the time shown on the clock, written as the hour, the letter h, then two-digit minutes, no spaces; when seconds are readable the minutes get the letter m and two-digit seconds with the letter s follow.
1h13m26s
